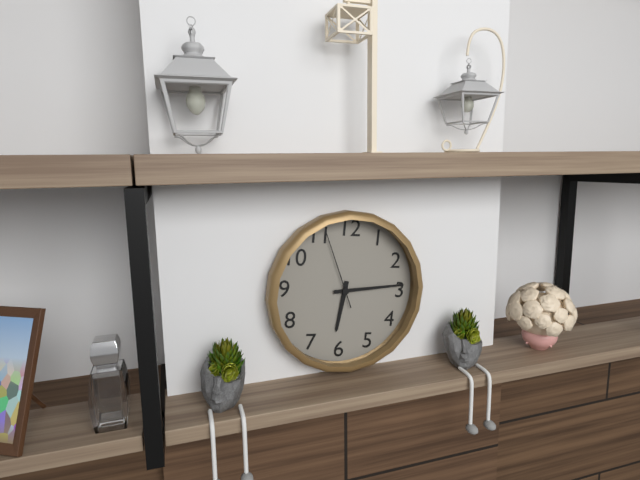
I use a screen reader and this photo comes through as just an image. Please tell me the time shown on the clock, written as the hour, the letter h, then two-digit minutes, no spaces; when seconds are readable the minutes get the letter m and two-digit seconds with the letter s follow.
6h14m56s
